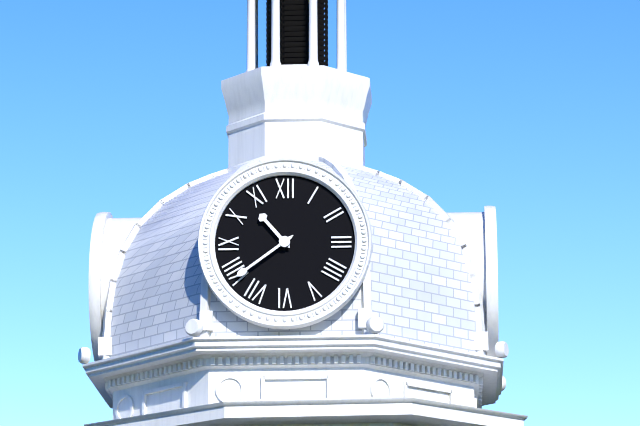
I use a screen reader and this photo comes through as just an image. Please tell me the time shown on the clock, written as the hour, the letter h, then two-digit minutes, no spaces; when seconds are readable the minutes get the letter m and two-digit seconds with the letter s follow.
10h39
